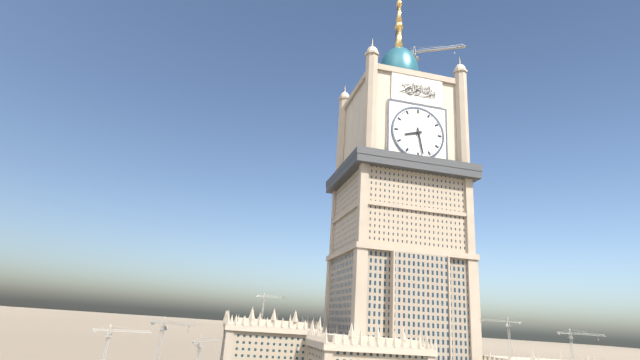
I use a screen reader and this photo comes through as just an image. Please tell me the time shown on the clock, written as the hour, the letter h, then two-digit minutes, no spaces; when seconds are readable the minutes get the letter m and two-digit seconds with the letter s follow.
8h28
